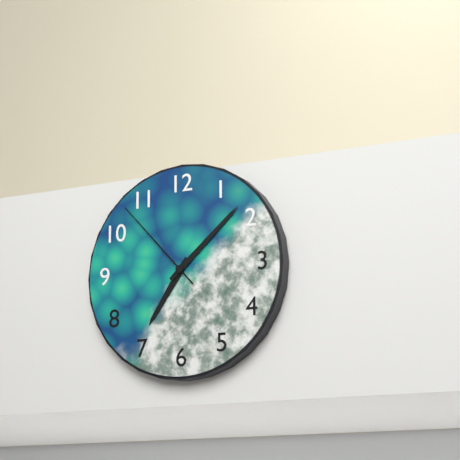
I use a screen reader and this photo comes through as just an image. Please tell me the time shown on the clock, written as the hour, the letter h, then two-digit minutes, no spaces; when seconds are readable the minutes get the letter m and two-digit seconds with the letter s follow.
7h08m53s
